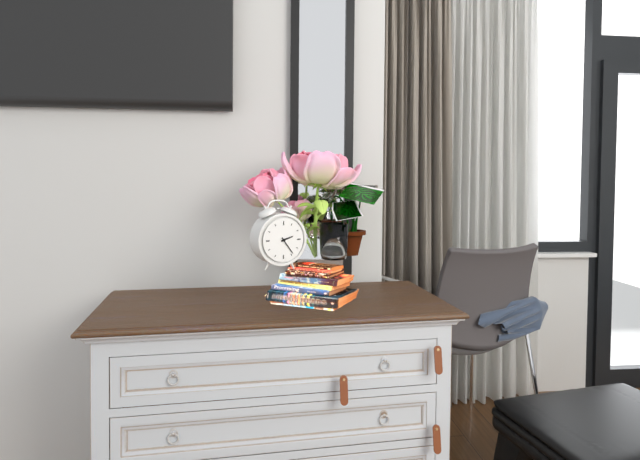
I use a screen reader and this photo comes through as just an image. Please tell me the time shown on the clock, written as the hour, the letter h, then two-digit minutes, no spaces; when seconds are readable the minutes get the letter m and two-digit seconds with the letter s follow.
2h24
